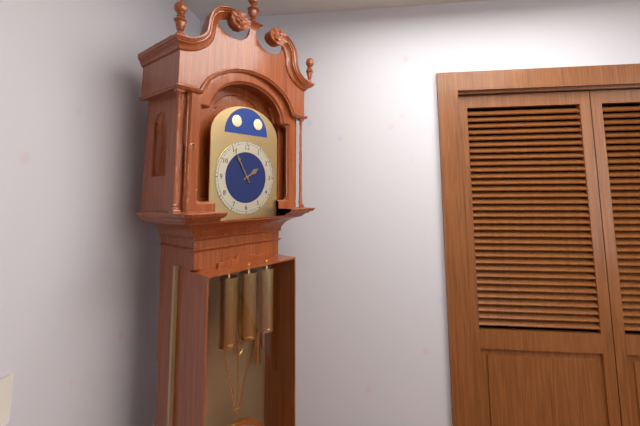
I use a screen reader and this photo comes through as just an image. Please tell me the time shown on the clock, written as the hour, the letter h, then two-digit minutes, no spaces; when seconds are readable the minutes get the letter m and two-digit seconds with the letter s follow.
1h55
